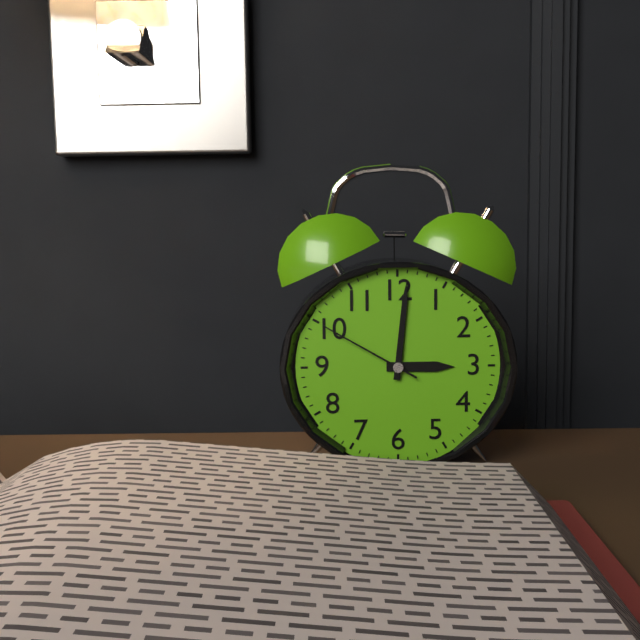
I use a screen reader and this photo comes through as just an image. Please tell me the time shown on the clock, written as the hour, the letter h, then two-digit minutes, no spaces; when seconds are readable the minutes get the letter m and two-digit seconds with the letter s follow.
3h01m50s
